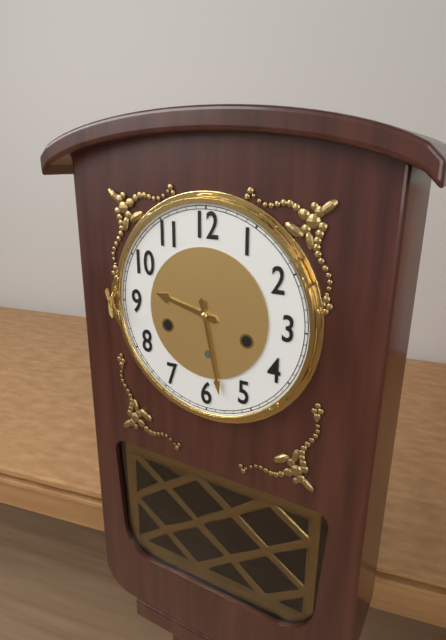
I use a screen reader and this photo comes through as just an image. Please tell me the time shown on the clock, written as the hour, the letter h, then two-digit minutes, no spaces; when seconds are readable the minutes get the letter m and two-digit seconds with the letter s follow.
9h28
